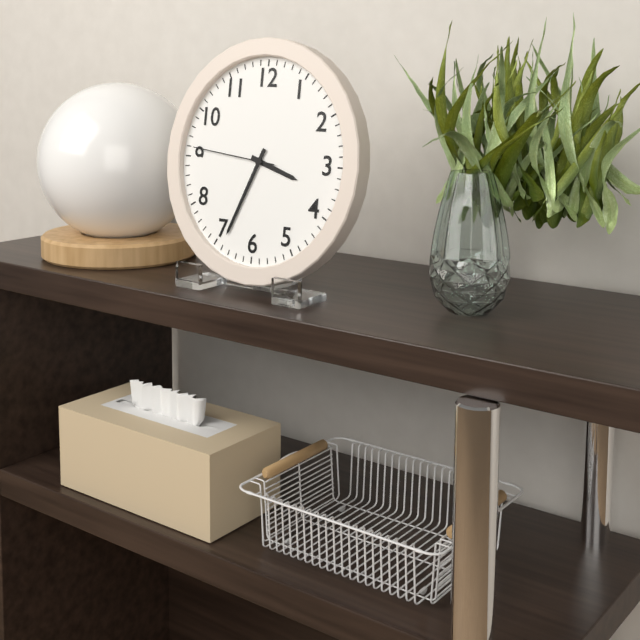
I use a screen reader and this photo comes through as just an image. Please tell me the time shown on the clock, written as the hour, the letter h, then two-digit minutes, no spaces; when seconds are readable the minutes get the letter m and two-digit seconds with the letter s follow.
3h34m46s
